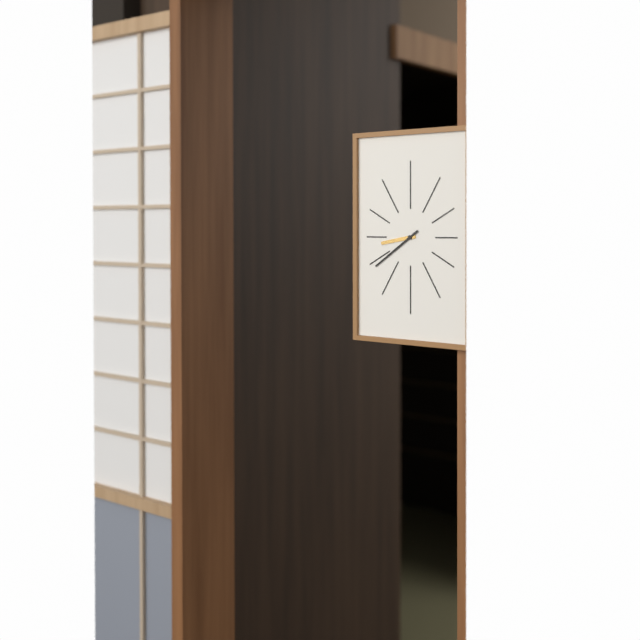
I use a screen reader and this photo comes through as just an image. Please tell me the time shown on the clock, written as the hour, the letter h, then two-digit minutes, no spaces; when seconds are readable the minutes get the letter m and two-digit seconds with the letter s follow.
8h39
